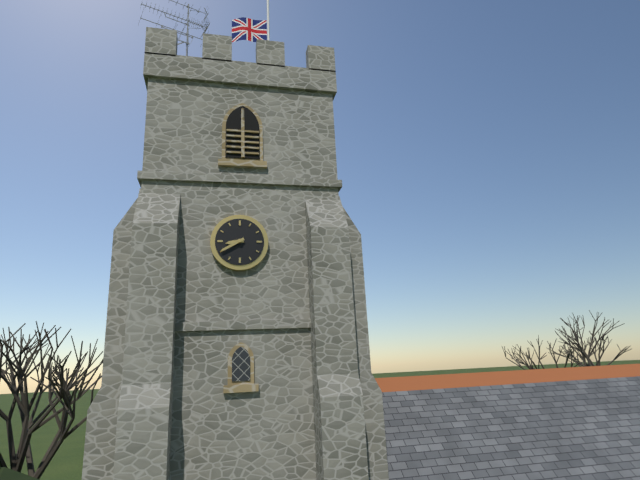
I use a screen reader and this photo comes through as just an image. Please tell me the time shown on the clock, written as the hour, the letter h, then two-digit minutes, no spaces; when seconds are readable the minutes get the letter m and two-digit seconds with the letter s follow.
8h40
